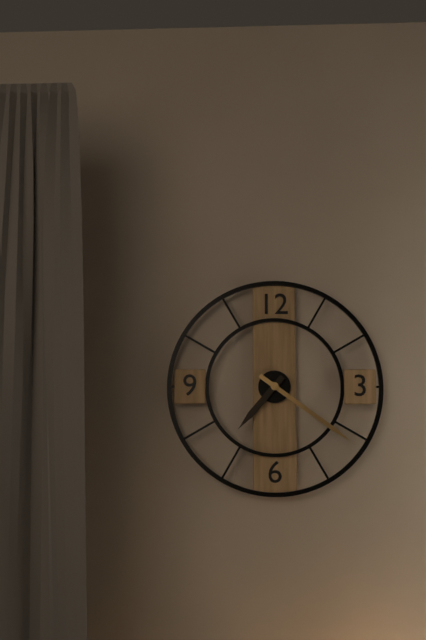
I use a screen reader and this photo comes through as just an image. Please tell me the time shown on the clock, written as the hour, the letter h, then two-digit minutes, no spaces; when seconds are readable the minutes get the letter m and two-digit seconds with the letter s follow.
7h21
